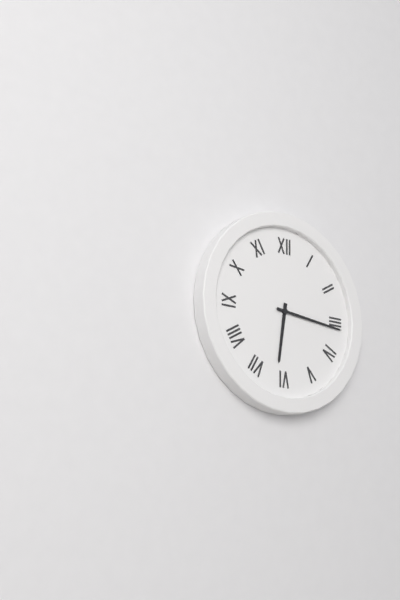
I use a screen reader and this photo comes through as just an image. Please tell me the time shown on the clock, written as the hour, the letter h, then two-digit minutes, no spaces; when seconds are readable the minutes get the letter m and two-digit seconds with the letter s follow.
6h16
